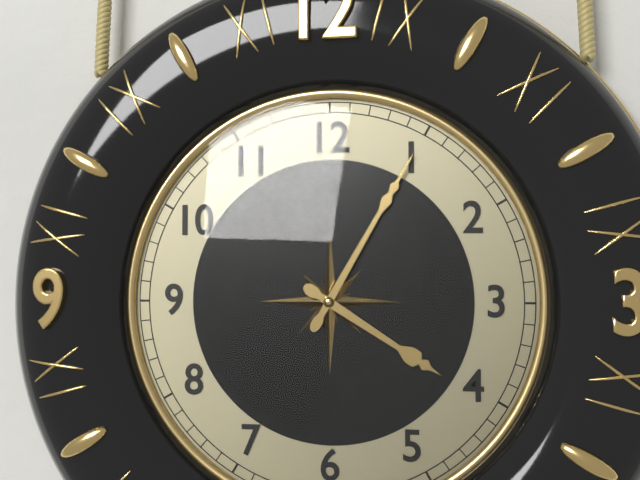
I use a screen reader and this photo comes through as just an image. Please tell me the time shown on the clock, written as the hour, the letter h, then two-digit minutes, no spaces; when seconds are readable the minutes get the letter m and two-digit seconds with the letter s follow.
4h05
